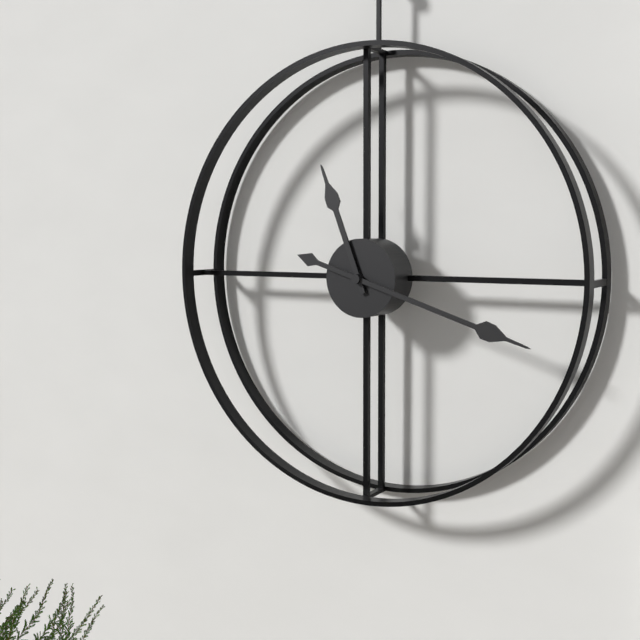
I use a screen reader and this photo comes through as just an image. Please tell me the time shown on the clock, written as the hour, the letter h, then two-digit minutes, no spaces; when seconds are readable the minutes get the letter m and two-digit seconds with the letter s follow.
11h18
